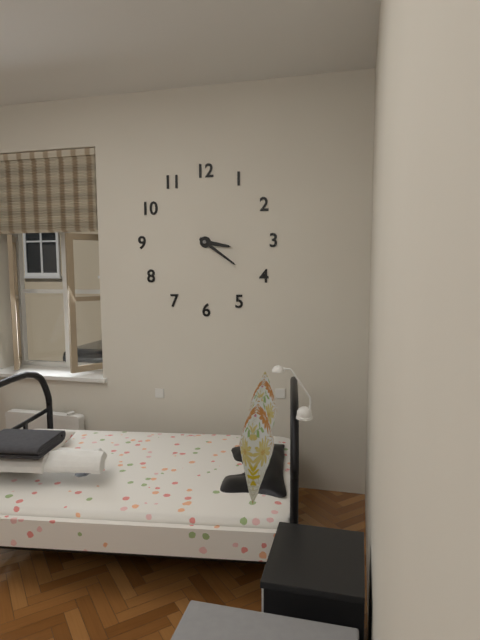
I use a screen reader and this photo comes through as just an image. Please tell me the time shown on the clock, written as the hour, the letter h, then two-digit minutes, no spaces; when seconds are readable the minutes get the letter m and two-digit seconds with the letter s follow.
3h21
